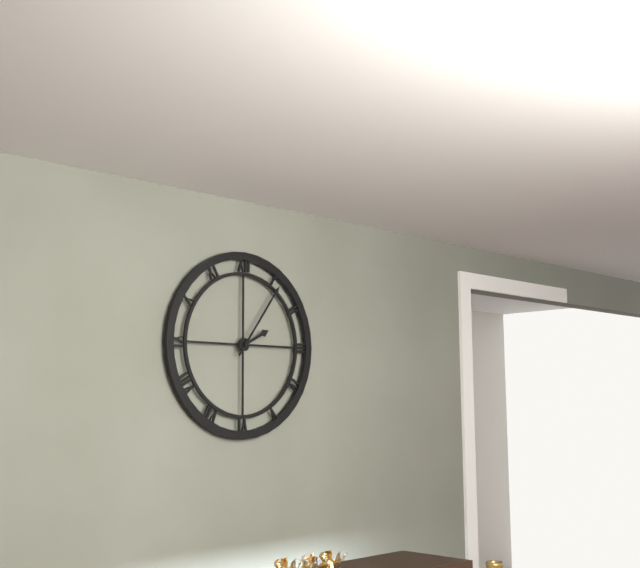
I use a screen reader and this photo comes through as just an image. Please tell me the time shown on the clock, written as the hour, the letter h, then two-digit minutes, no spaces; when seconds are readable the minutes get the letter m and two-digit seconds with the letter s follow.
2h06
